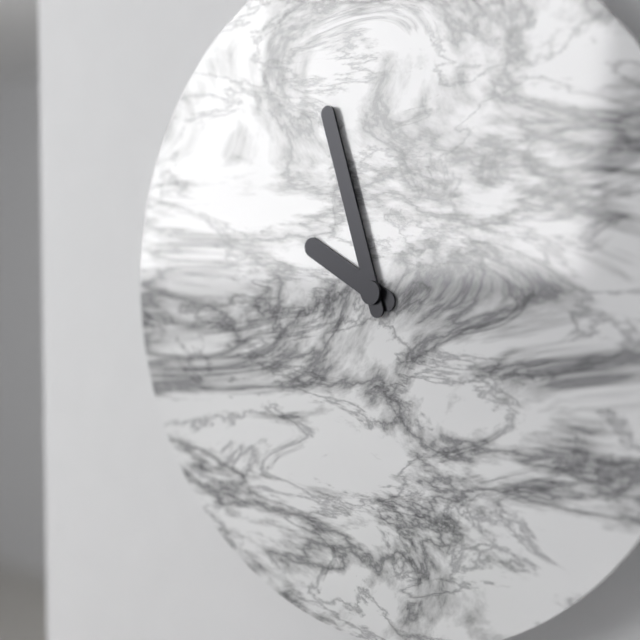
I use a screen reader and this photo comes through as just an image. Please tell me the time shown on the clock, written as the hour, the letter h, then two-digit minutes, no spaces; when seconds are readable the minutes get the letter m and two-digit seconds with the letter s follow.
9h57
